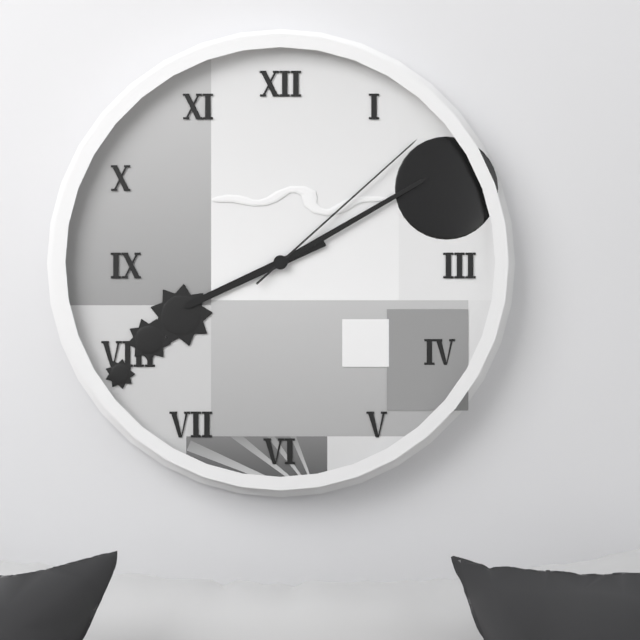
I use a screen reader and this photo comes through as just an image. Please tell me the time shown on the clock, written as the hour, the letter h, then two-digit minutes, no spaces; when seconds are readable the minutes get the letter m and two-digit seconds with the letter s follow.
8h10m08s
